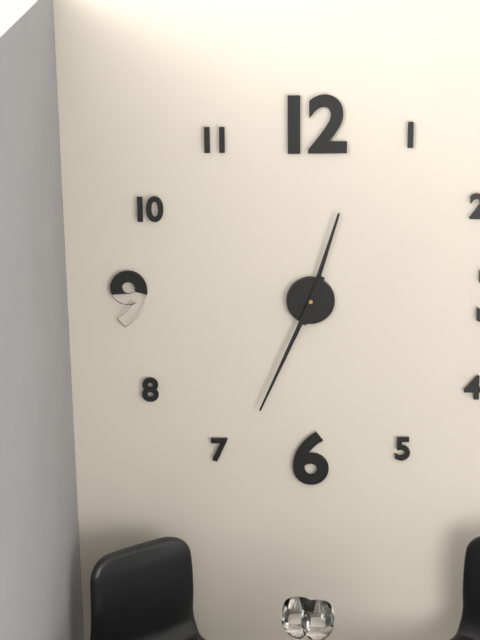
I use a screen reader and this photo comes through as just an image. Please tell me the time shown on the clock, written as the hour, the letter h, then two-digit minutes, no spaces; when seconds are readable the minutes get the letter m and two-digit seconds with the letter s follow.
12h34
